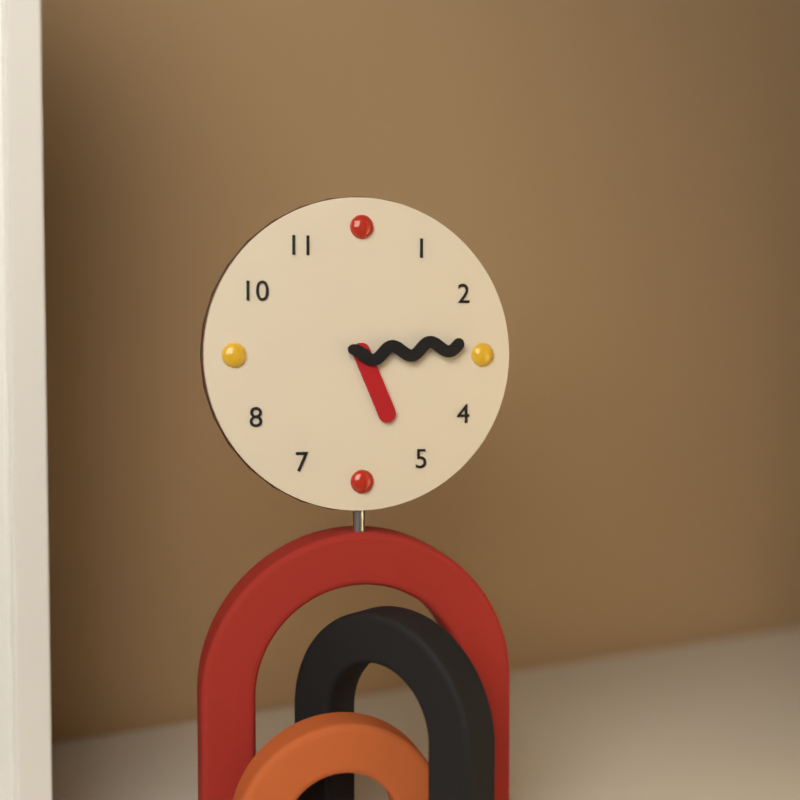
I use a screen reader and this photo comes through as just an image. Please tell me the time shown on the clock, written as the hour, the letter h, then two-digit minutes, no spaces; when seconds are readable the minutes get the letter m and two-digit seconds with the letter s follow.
5h14
